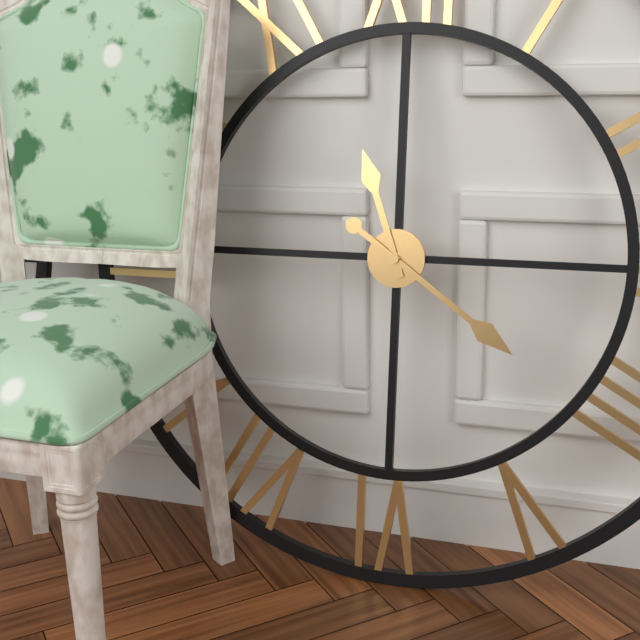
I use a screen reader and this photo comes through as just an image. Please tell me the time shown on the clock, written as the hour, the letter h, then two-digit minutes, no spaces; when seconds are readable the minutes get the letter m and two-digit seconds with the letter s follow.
11h21
